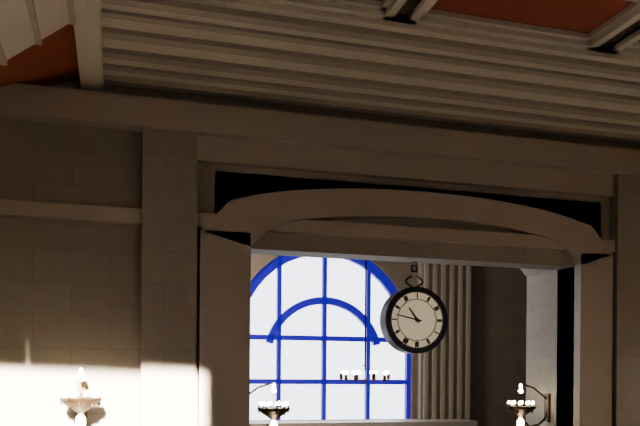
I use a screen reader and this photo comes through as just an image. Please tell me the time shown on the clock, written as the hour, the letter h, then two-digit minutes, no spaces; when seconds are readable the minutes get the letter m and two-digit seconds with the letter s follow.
10h47
